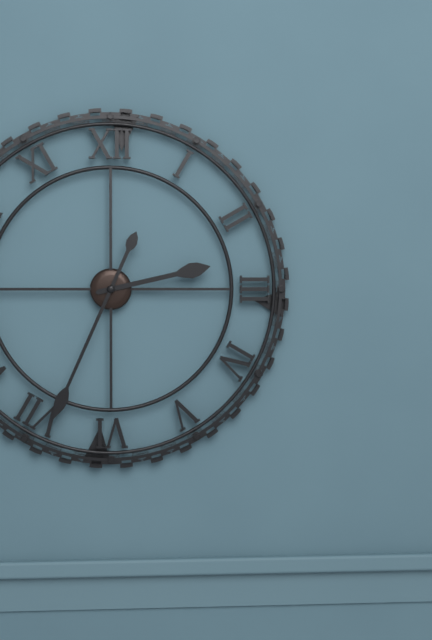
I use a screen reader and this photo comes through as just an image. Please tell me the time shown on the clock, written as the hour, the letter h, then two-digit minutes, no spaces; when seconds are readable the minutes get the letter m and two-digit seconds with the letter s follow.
2h34
